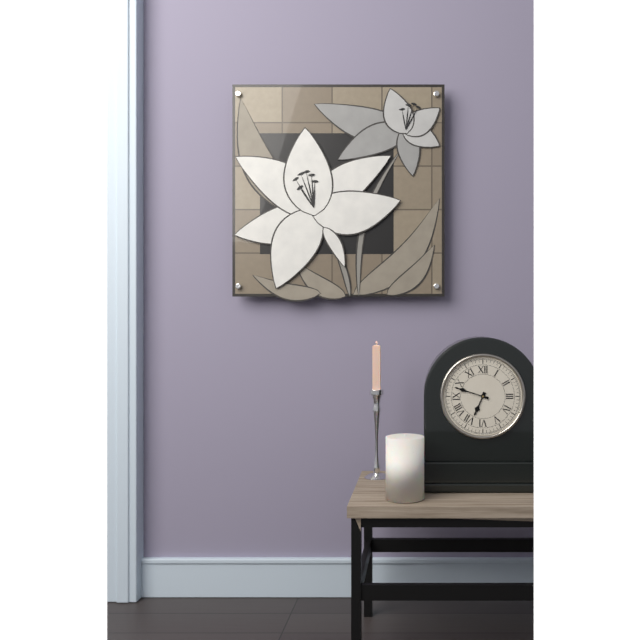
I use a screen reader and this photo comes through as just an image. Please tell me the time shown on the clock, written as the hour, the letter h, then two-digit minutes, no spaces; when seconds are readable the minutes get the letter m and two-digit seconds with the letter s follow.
6h48
